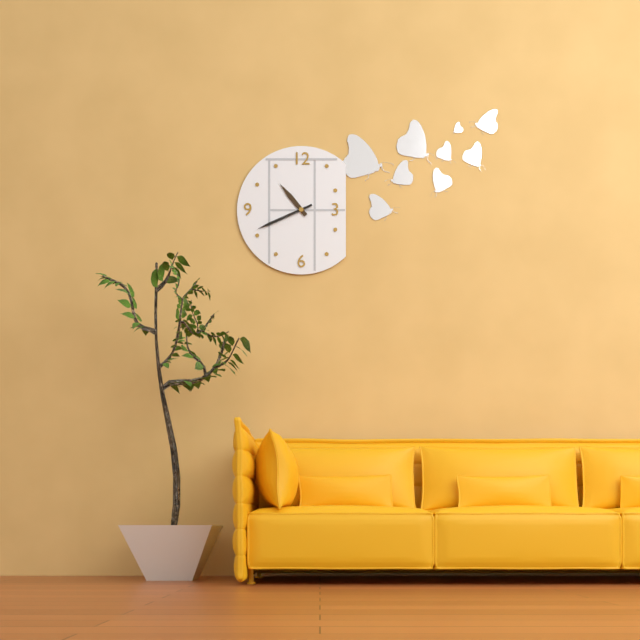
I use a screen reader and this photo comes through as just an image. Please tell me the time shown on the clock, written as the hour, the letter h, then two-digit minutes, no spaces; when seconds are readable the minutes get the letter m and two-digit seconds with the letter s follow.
10h41
